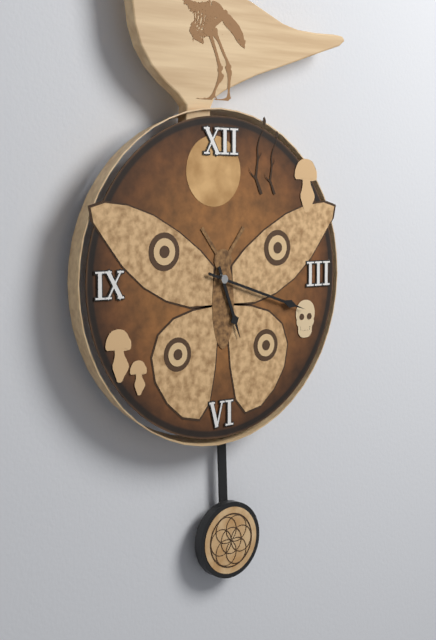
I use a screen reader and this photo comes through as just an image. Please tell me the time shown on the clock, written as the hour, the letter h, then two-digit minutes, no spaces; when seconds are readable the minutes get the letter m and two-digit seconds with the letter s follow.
5h18
